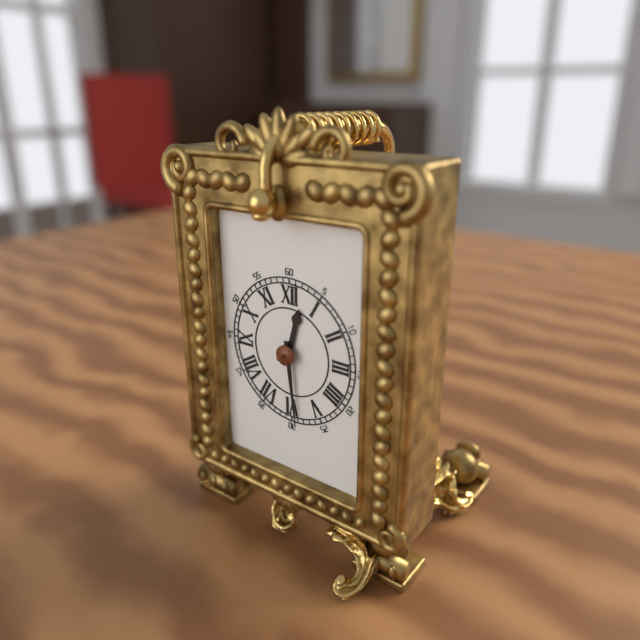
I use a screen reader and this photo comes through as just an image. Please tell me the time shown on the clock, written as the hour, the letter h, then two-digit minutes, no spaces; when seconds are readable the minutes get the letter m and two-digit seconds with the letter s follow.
12h29
